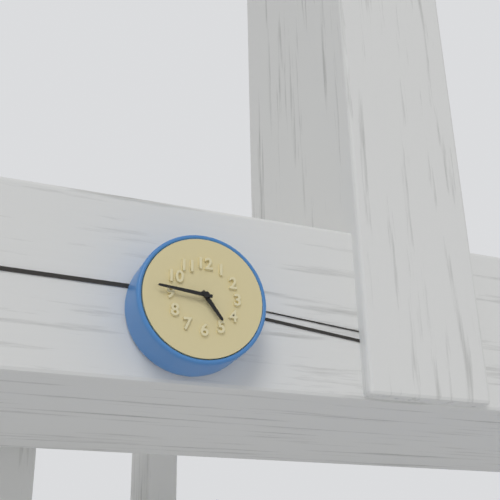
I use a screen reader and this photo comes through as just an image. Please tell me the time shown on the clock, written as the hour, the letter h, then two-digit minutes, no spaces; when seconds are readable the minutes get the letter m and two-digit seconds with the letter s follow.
4h46
